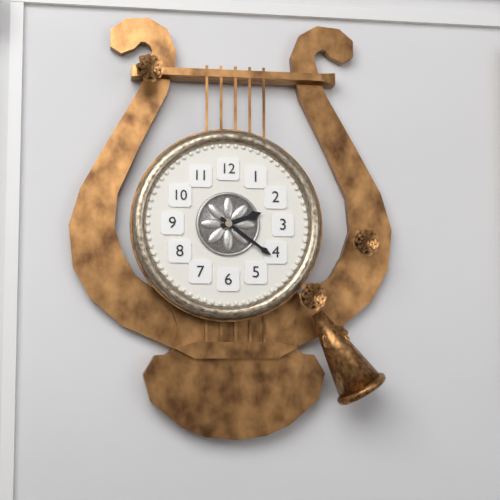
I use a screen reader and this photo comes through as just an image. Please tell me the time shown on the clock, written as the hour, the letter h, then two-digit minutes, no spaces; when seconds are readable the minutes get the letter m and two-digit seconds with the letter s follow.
2h21
